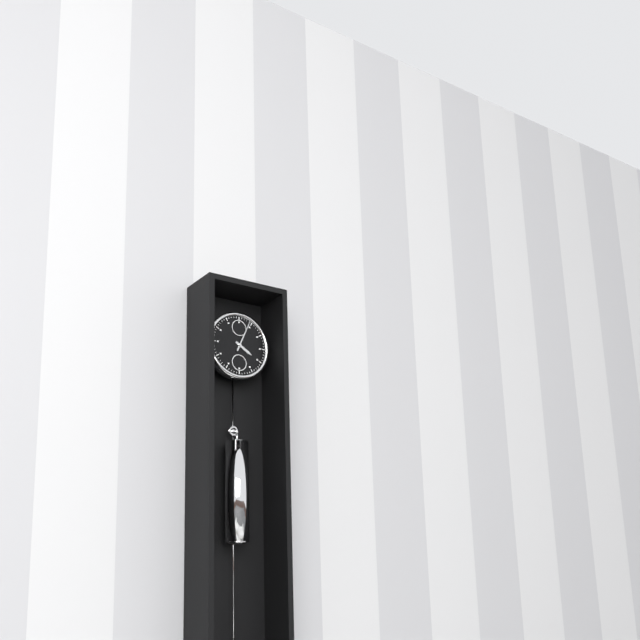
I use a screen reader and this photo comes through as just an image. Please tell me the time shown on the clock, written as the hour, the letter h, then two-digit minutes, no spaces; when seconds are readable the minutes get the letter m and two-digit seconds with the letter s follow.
4h04
